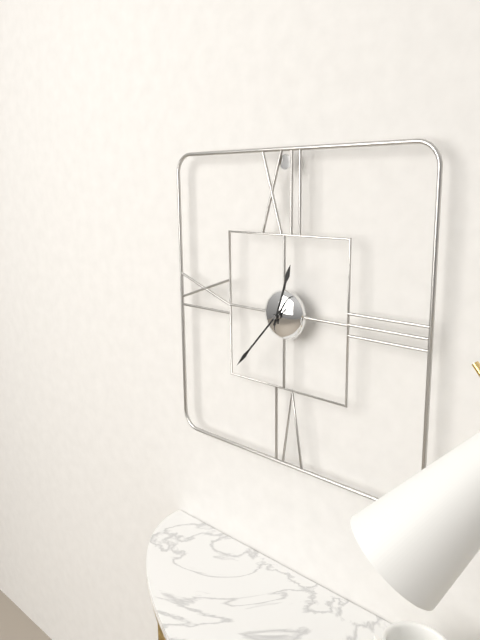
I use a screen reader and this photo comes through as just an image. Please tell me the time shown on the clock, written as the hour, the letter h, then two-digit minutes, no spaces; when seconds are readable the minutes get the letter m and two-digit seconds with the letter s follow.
12h37
